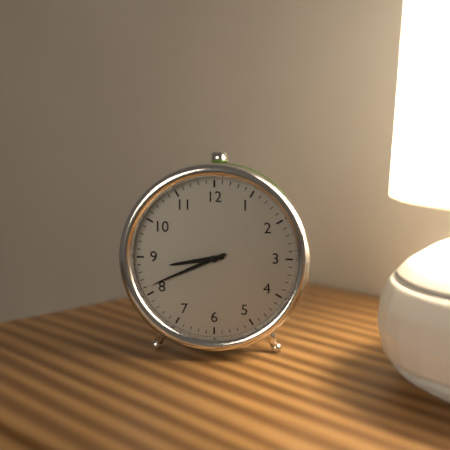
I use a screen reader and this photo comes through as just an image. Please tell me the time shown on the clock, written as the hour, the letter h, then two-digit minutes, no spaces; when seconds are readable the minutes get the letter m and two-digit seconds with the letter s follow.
8h41
